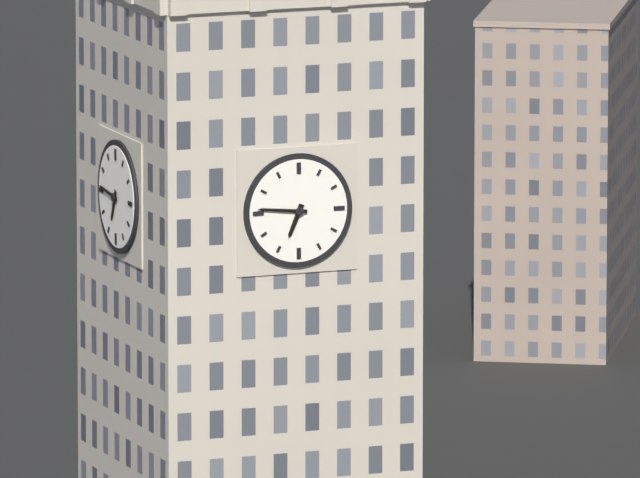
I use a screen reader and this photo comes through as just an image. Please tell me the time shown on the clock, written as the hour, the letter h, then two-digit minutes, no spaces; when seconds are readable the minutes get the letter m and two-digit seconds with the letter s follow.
6h46
